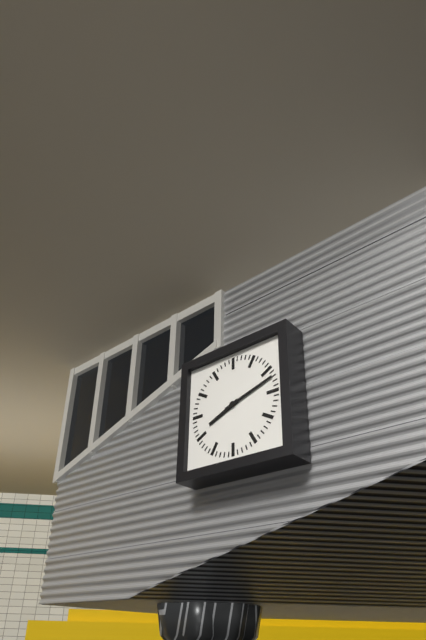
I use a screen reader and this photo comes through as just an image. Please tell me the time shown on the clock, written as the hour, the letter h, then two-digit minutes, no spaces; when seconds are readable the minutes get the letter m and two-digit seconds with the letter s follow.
8h12
